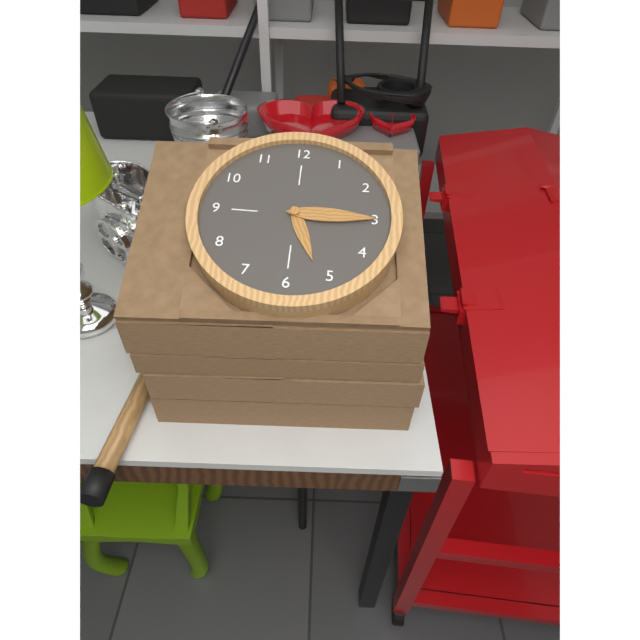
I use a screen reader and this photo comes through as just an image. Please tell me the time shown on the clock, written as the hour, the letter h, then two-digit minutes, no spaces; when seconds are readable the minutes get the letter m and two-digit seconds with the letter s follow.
5h15
